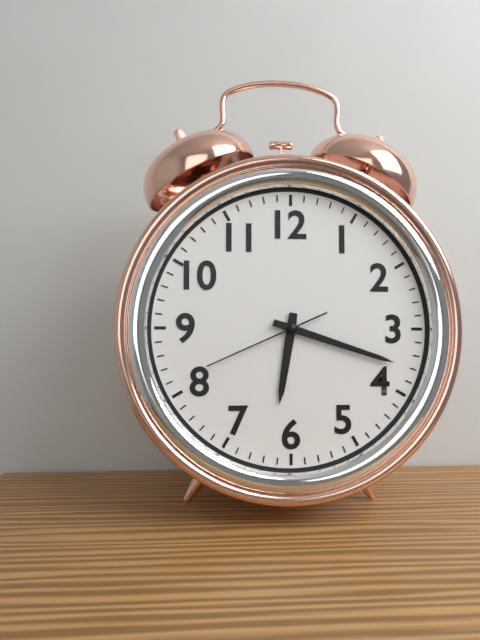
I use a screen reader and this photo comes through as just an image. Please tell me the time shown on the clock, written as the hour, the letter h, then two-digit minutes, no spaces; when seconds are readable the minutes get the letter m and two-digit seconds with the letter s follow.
6h18m41s
